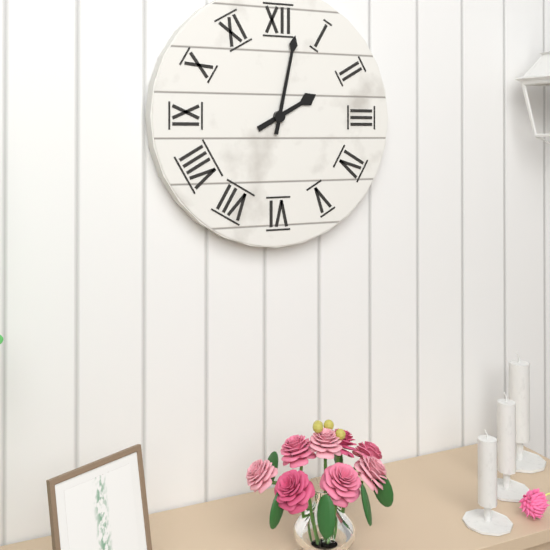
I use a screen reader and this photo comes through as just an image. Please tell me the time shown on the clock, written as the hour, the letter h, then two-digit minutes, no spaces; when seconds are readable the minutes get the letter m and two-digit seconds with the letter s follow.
2h02
